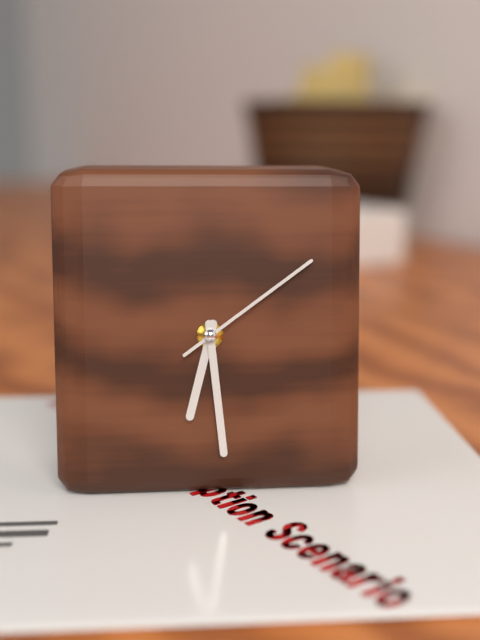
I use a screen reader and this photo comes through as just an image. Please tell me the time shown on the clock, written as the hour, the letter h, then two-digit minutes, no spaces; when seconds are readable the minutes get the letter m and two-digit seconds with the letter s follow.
6h29m09s
